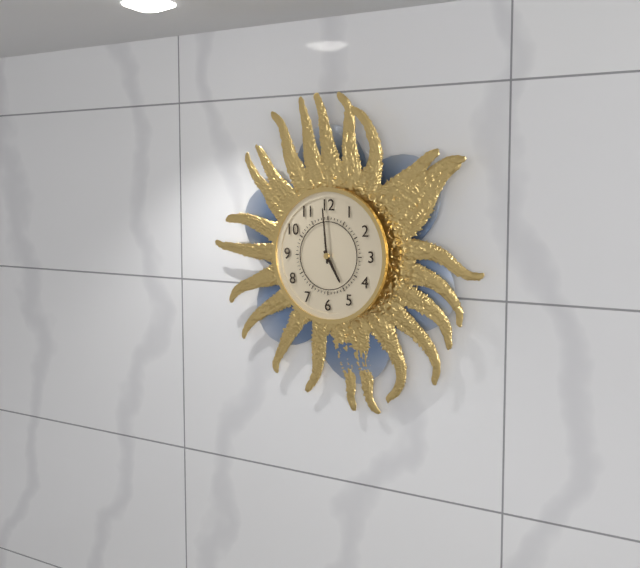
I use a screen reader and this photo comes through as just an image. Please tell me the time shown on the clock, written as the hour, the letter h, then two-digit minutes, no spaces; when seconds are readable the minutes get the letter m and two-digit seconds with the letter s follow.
4h59
